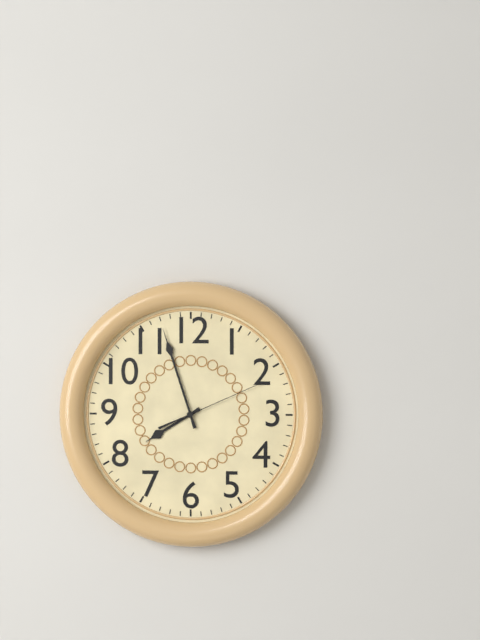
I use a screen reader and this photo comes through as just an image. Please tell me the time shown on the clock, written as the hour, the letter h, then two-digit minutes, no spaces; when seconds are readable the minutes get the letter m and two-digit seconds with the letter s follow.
7h57m11s
